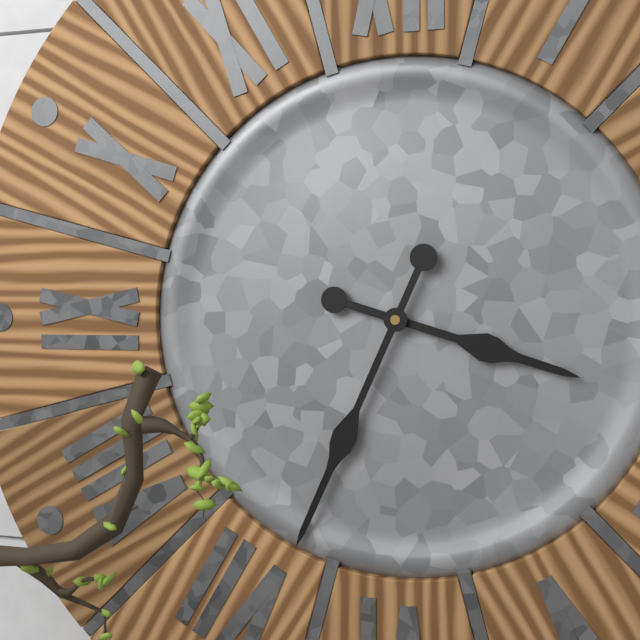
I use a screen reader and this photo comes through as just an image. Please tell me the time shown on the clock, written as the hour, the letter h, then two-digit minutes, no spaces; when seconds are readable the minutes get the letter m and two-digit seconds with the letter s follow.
3h34
